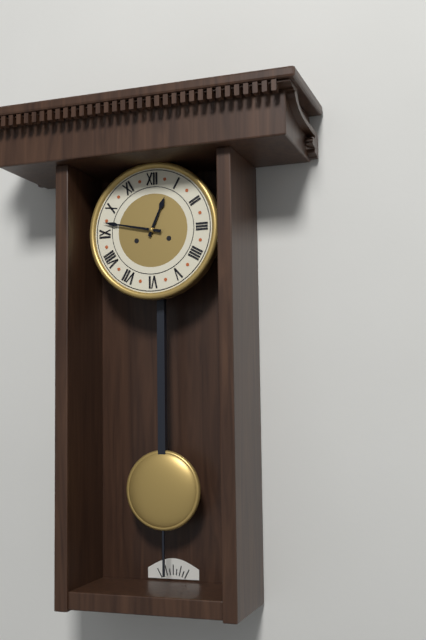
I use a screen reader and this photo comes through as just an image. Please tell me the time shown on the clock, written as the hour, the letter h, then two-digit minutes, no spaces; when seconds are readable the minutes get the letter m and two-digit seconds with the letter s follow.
12h47
